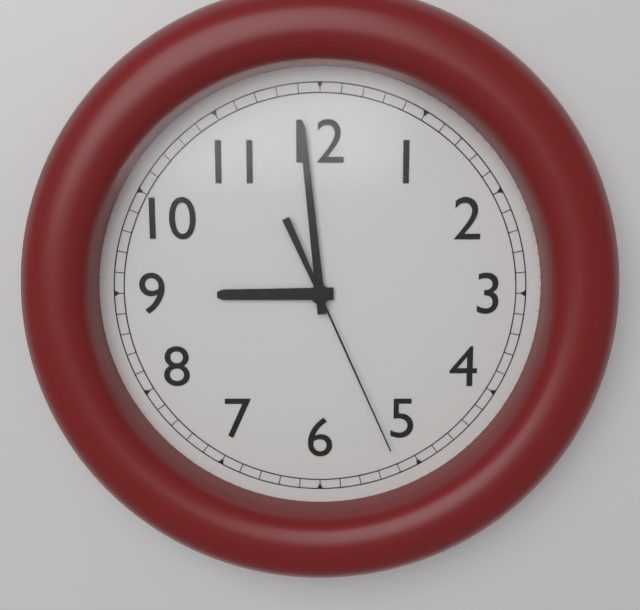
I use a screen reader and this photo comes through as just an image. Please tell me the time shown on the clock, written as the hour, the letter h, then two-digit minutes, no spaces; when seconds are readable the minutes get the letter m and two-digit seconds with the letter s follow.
8h59m26s
